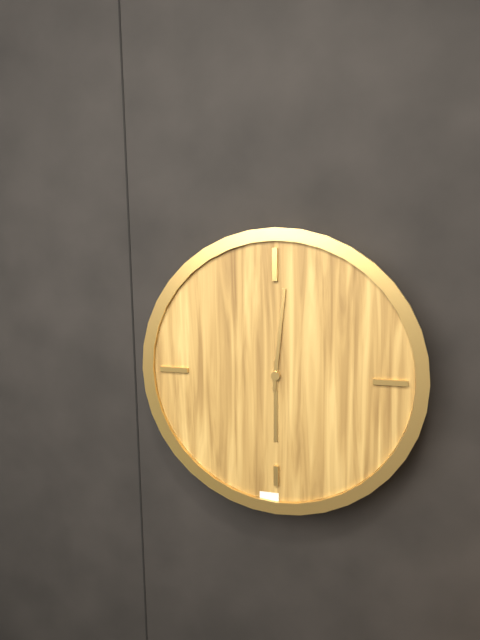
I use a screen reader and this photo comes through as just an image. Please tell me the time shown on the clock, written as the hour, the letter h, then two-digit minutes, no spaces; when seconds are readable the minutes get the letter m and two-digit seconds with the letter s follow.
6h01
